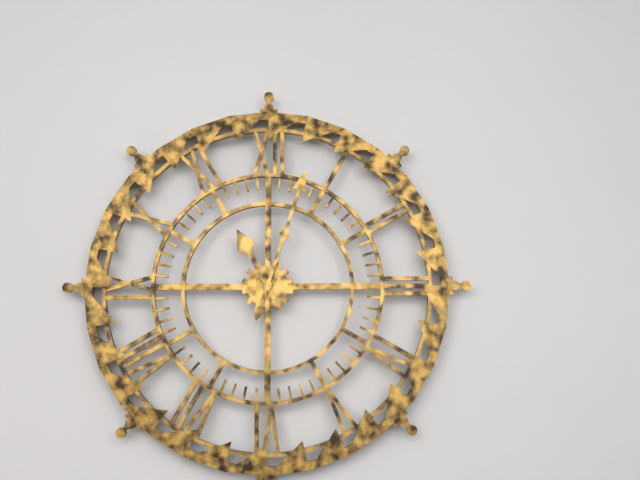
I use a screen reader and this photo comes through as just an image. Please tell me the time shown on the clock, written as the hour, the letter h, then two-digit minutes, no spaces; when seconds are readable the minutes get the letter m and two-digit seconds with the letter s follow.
11h03
